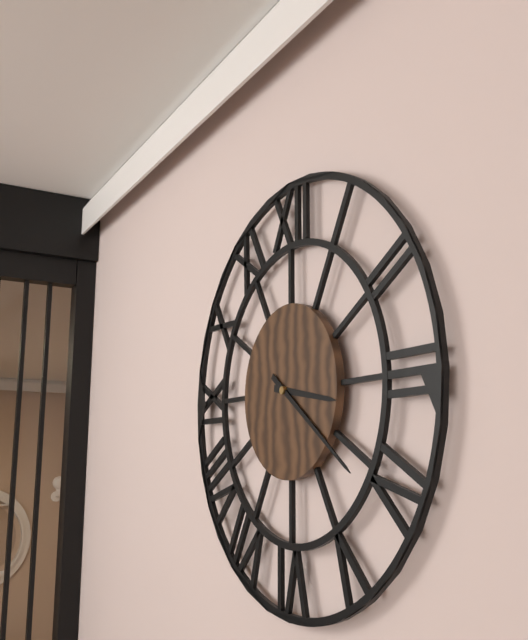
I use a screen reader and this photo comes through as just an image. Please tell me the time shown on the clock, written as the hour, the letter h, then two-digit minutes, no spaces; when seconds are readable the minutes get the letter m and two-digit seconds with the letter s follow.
3h21
